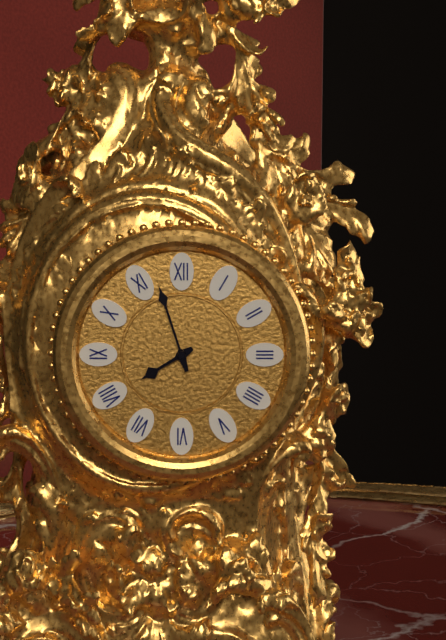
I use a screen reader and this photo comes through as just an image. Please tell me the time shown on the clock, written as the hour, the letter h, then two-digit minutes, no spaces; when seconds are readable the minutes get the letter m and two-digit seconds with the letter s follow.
7h57
